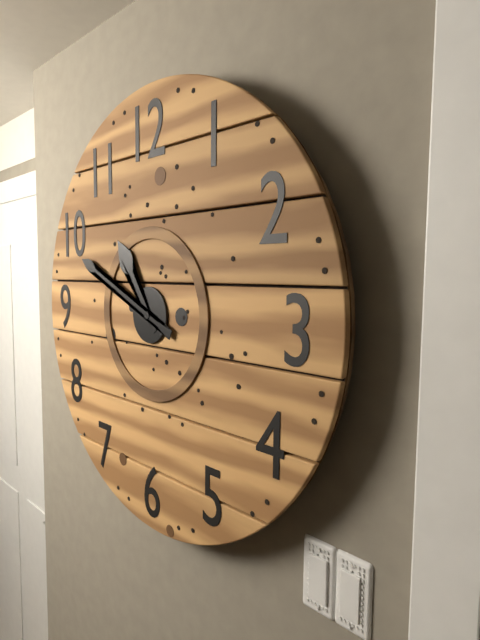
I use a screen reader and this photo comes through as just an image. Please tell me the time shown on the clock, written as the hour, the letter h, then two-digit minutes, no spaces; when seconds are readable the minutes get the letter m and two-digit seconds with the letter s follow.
10h49
